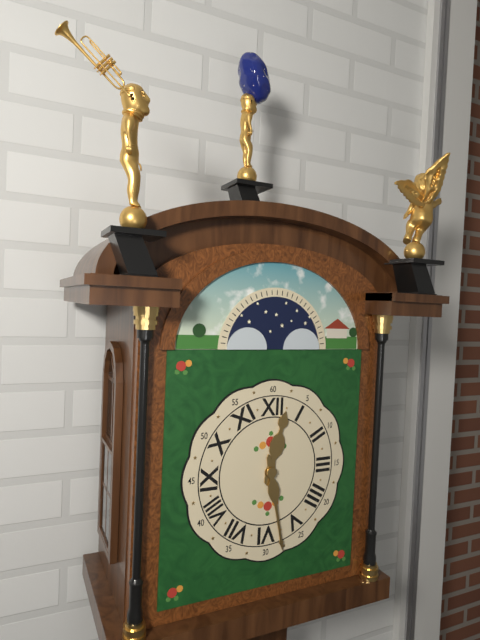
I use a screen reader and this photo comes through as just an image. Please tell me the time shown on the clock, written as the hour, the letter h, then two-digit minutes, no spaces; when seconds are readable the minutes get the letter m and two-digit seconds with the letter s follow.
12h28
